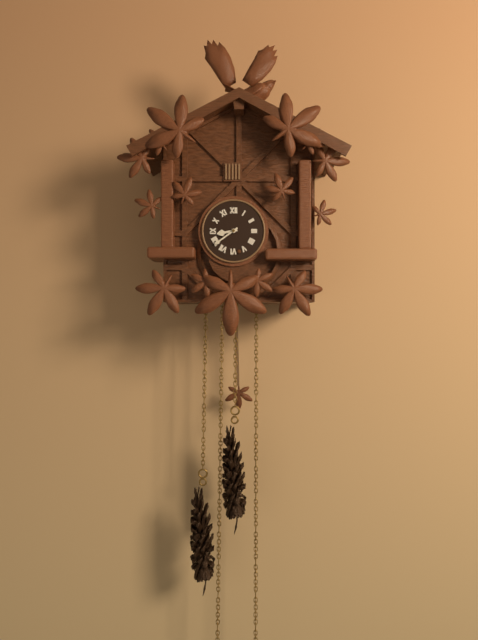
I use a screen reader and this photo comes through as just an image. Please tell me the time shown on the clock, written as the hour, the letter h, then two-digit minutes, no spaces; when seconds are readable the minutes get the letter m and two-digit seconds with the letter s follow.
8h39
